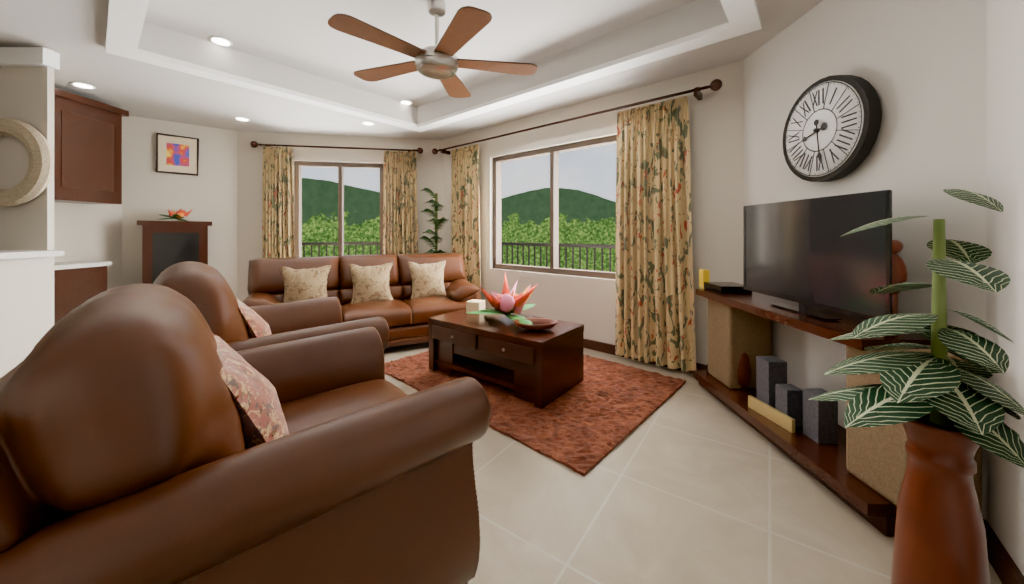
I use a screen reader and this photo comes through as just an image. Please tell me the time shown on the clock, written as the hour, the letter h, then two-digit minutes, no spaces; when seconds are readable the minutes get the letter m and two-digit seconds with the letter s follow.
8h29
